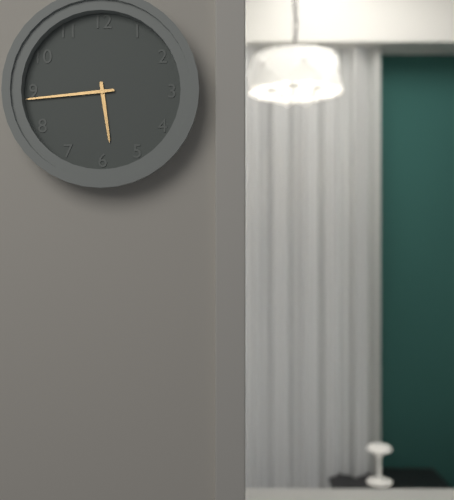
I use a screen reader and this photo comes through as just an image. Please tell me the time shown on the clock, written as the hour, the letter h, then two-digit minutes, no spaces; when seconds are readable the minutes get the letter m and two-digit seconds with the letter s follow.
5h44
